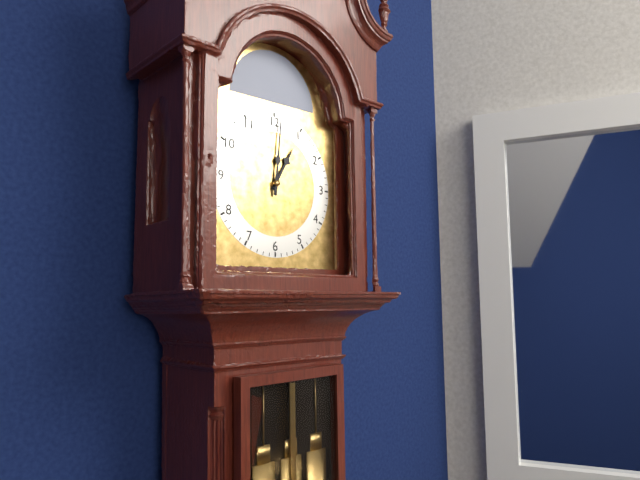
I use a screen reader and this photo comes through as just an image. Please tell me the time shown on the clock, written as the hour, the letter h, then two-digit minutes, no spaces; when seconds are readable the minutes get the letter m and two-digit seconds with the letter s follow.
1h01
